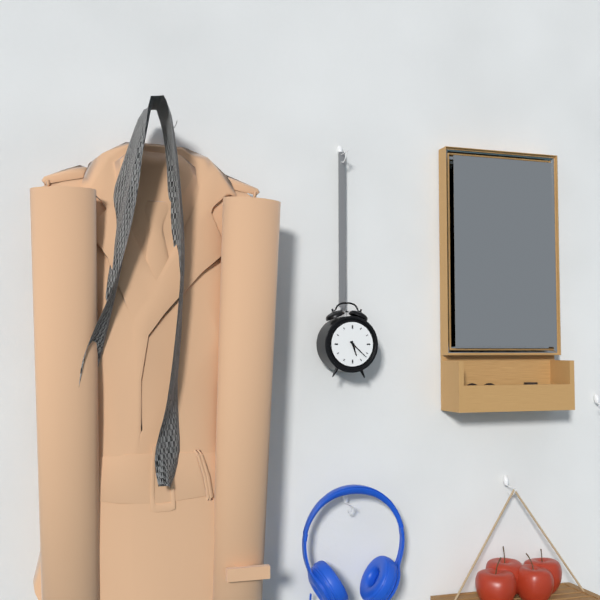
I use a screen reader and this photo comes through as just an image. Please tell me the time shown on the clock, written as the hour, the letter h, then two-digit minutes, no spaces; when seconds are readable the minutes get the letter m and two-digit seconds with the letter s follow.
5h22
